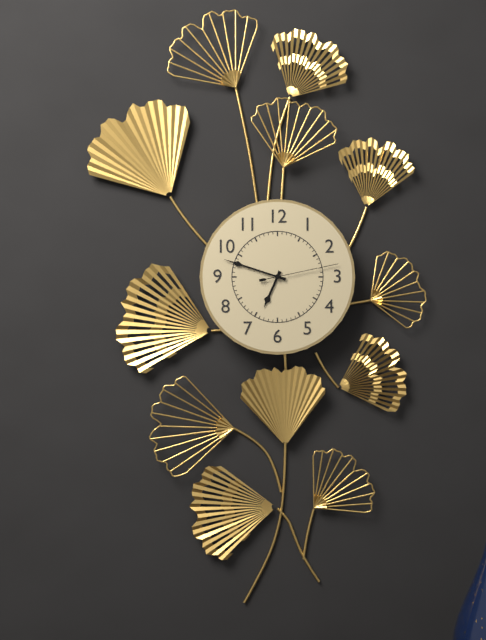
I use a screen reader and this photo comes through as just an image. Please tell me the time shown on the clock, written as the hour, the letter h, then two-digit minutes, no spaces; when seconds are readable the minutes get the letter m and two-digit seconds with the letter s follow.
6h48m13s
